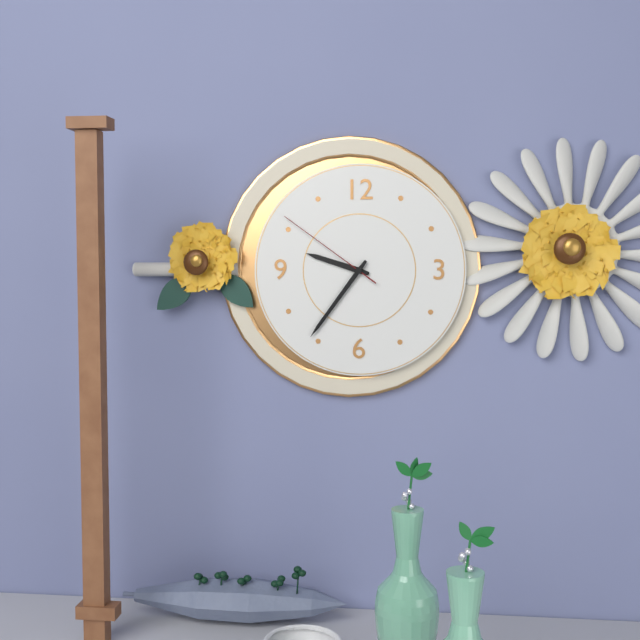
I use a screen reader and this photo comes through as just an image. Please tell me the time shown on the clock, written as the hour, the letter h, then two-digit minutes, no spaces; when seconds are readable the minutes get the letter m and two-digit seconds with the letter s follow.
9h36m51s
